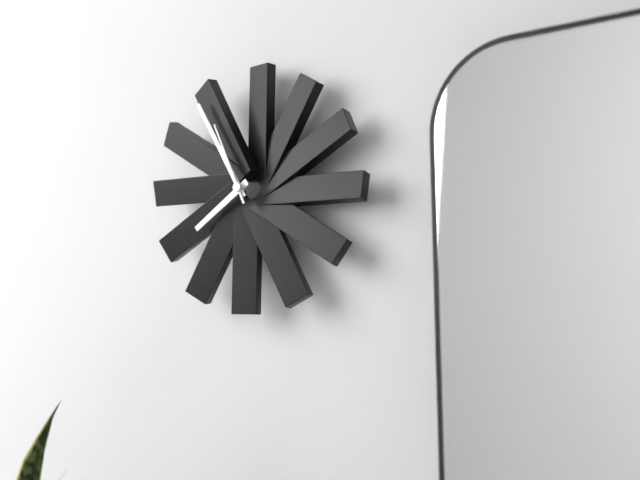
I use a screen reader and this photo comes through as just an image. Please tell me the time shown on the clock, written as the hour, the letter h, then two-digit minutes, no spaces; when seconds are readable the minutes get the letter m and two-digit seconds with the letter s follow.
7h55m56s
